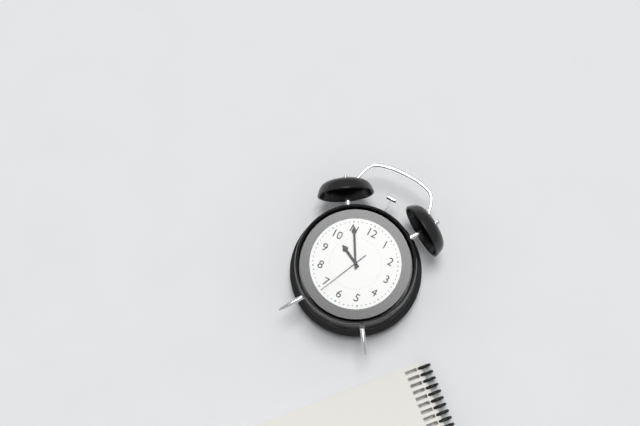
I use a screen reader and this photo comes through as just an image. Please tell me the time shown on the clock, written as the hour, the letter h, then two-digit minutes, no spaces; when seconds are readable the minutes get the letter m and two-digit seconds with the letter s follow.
9h55m34s
